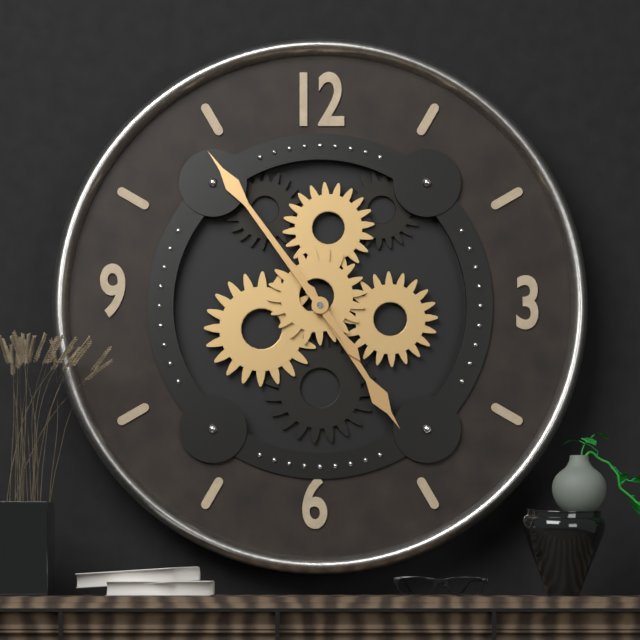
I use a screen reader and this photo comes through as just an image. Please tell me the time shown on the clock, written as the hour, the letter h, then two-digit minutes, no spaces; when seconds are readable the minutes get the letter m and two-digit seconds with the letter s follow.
4h54
